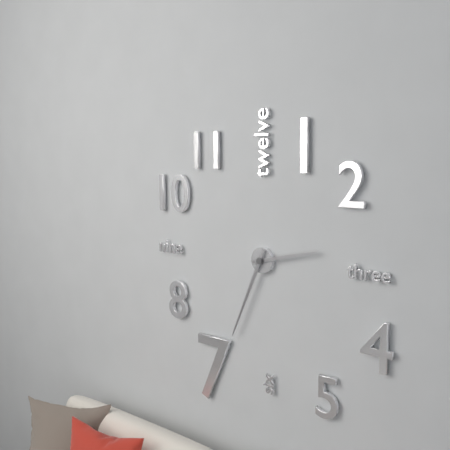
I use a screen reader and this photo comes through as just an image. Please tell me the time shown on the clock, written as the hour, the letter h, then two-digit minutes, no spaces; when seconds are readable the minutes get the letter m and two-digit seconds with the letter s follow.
2h34
